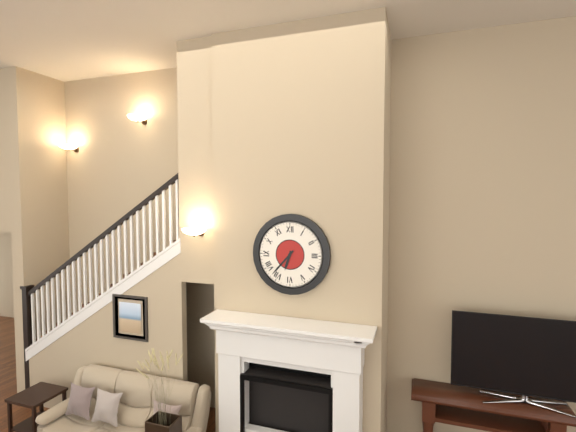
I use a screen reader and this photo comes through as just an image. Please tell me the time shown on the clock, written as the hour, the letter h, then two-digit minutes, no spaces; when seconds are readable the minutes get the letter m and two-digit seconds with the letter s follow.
6h37
